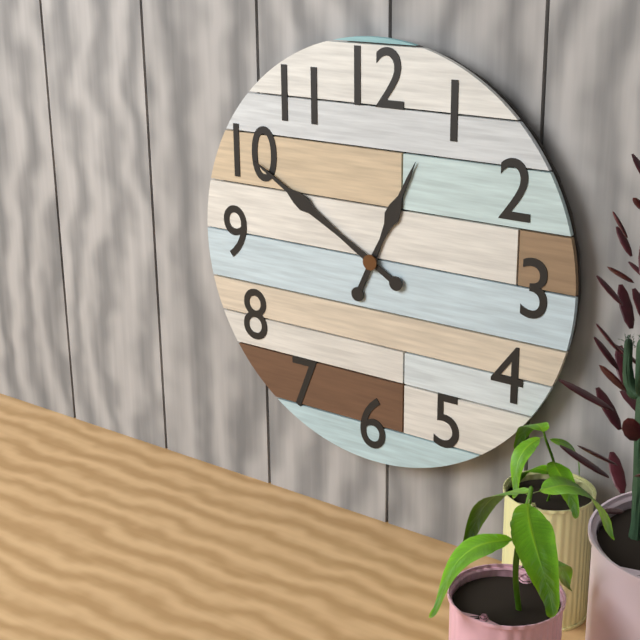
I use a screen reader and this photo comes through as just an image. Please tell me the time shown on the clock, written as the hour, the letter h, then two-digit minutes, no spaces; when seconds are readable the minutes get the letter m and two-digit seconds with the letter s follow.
12h50
